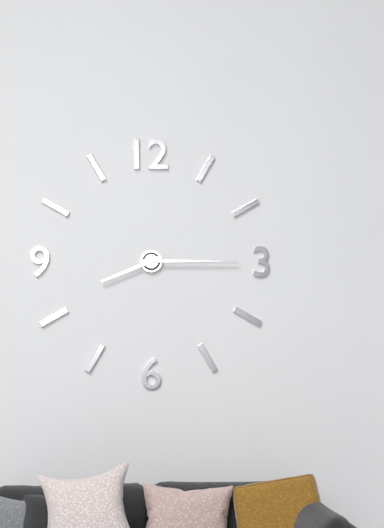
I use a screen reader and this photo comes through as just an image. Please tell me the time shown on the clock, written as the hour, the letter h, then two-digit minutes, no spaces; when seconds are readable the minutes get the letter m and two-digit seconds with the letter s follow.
8h15
